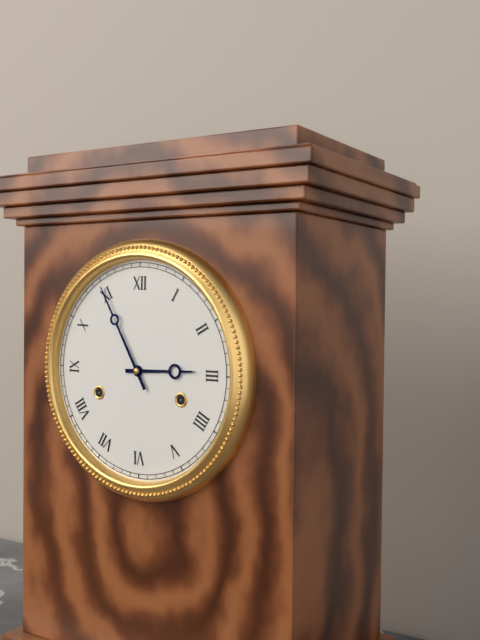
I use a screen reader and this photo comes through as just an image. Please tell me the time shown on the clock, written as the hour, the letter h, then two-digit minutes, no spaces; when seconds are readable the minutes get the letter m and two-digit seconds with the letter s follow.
2h55
